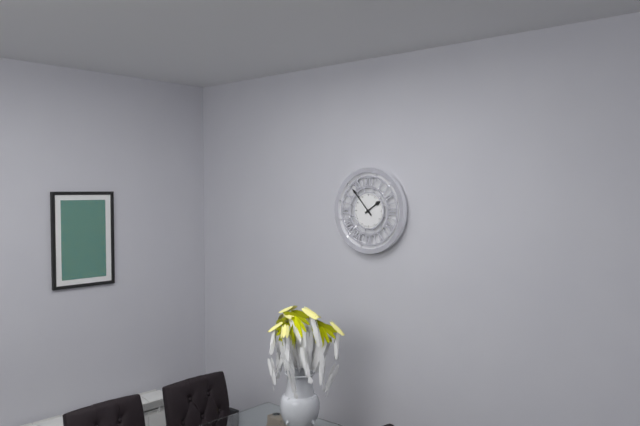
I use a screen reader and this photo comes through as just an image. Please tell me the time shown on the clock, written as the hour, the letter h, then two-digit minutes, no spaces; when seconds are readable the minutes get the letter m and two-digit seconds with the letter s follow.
1h53
